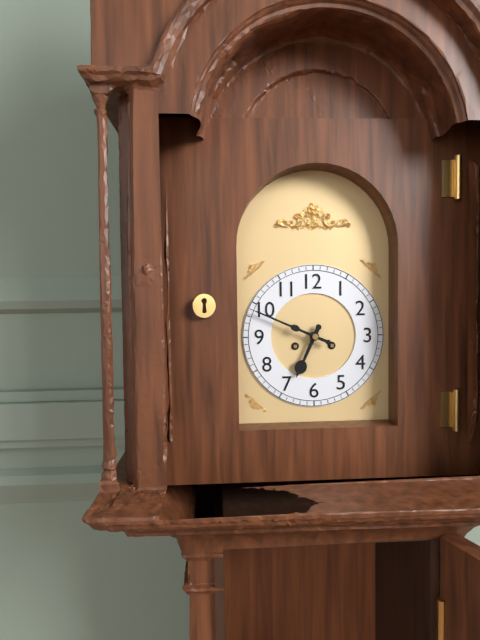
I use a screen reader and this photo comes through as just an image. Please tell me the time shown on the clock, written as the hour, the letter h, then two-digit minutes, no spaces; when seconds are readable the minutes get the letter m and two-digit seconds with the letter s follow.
6h49
